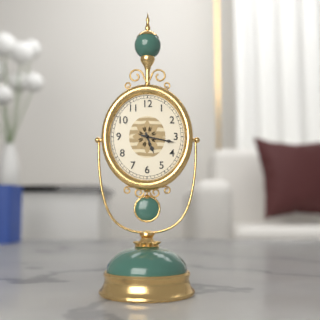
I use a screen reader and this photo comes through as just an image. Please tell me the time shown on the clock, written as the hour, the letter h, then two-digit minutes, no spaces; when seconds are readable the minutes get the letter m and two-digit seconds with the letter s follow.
5h17
